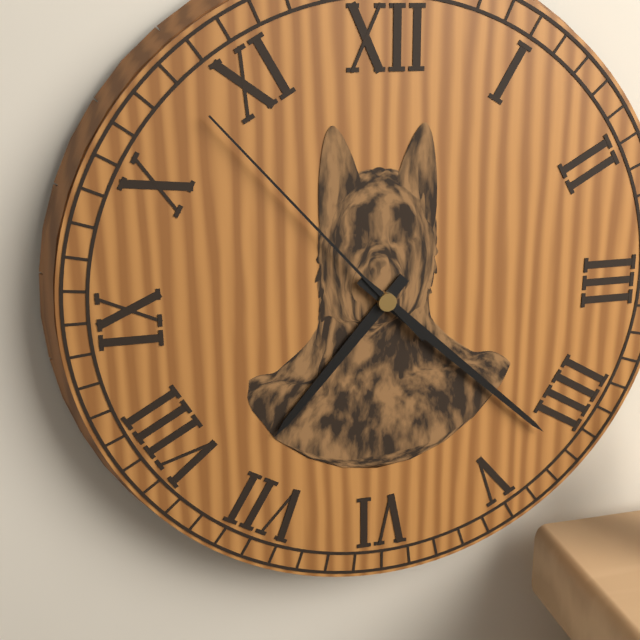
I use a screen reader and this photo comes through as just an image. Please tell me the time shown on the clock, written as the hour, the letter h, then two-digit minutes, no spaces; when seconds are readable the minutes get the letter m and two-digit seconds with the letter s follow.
7h22m53s
